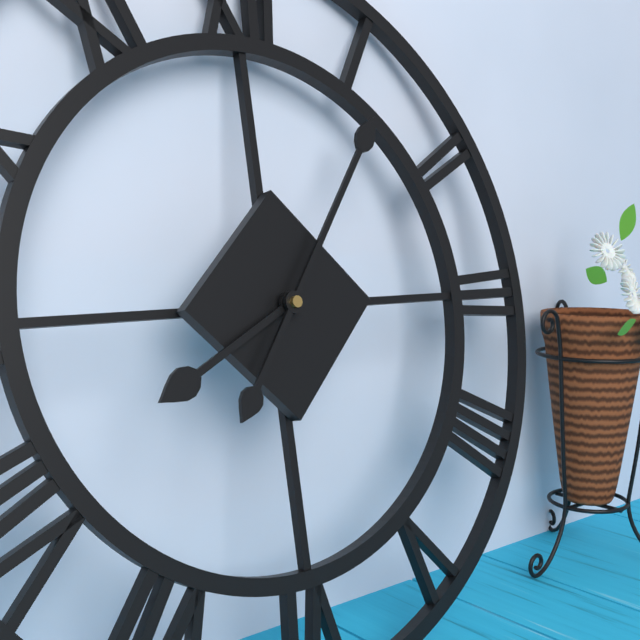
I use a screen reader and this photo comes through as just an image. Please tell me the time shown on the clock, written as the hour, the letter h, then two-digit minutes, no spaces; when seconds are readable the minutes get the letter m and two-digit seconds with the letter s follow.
8h06
